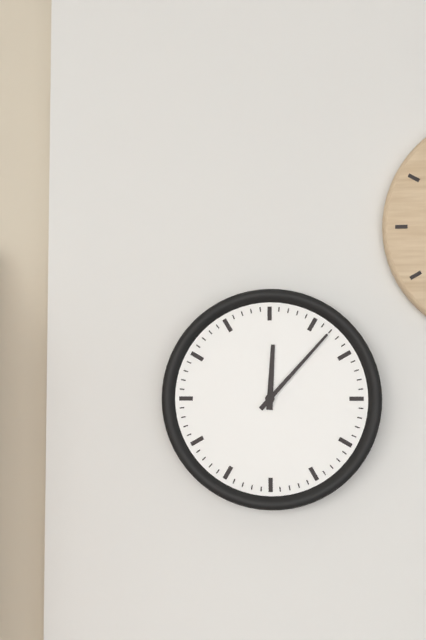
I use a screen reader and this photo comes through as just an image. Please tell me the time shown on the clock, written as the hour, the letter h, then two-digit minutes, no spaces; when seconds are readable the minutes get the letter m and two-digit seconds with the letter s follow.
12h07
